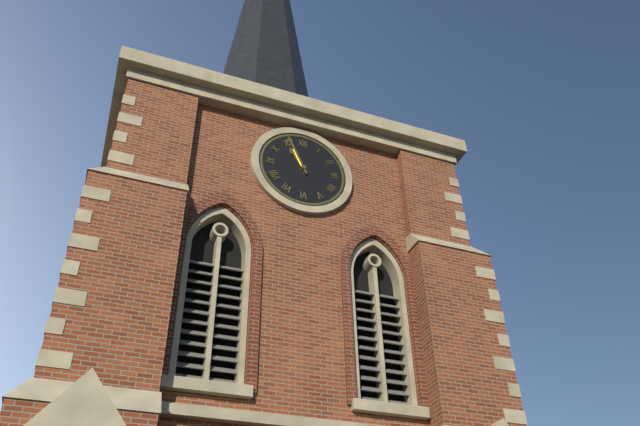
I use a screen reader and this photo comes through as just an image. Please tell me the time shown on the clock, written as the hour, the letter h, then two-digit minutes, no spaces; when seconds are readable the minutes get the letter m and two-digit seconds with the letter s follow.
10h56
